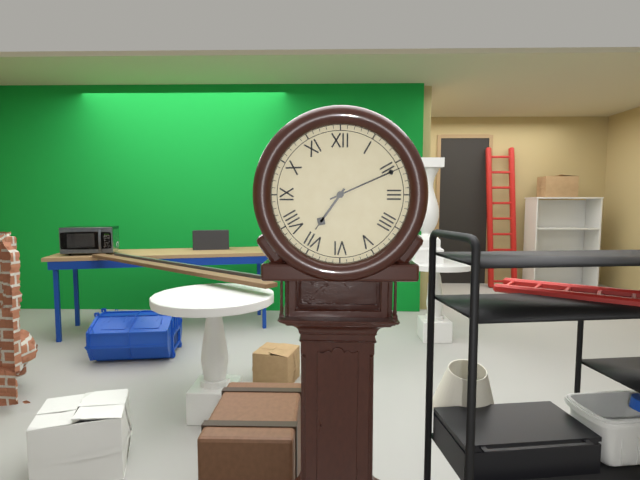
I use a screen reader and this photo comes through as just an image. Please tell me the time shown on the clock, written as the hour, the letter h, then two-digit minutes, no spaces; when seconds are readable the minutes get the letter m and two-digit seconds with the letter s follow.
7h11
